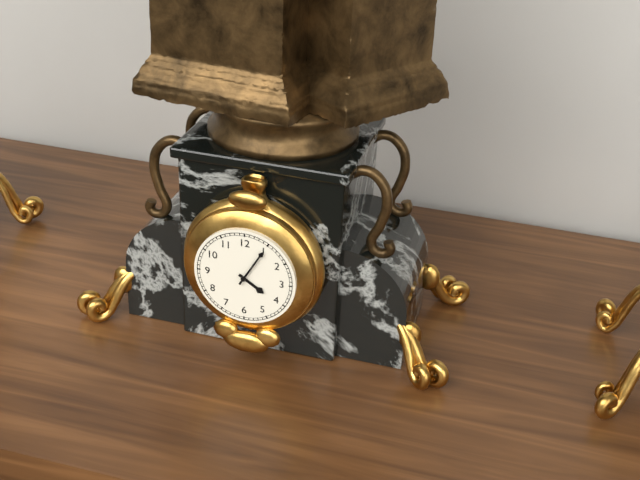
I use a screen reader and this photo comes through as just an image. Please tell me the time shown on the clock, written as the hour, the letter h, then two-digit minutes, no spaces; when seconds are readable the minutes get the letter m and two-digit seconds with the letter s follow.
4h05
